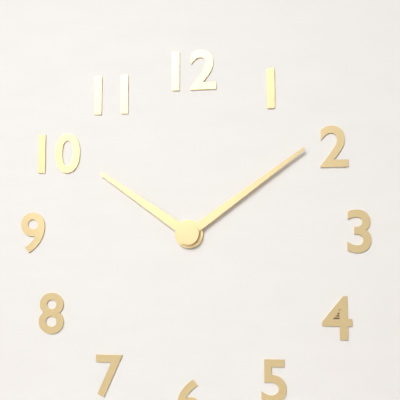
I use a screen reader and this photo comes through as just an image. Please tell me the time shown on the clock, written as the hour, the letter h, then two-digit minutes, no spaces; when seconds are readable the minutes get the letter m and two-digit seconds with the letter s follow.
10h09
